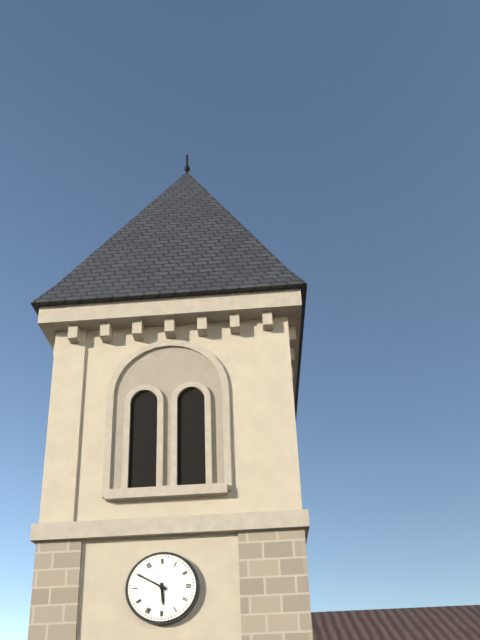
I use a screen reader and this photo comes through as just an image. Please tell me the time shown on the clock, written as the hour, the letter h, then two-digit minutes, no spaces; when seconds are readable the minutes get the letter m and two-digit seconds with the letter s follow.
5h50
